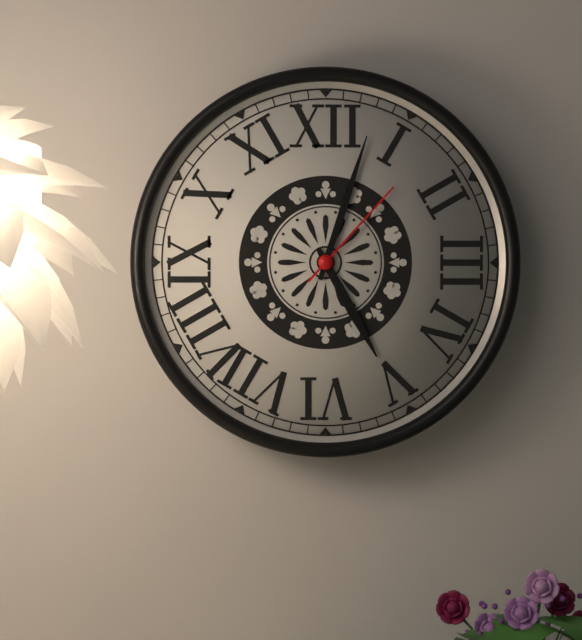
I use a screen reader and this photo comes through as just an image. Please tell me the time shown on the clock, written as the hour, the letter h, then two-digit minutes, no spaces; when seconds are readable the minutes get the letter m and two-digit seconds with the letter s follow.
5h03m07s
